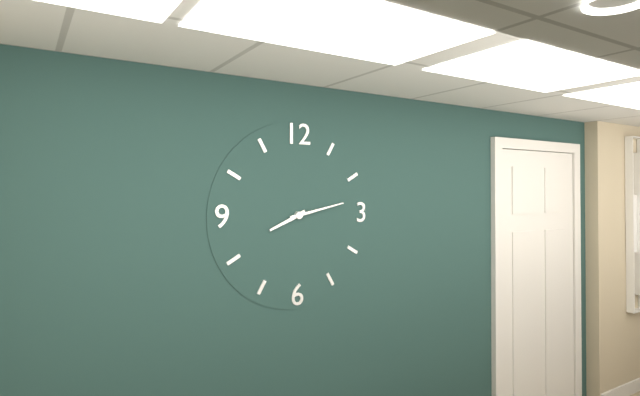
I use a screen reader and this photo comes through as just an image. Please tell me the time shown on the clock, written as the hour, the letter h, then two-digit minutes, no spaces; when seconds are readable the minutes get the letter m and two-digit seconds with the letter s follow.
8h13
